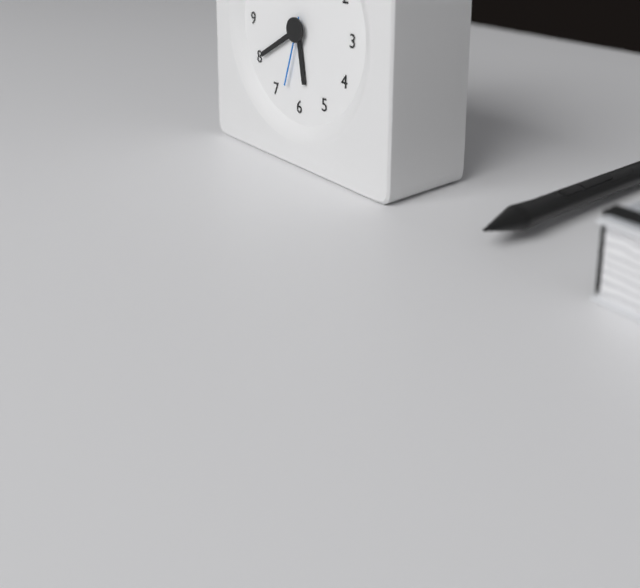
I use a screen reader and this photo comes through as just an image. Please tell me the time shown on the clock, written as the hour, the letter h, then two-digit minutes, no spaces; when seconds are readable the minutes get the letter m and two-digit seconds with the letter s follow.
5h40m33s
